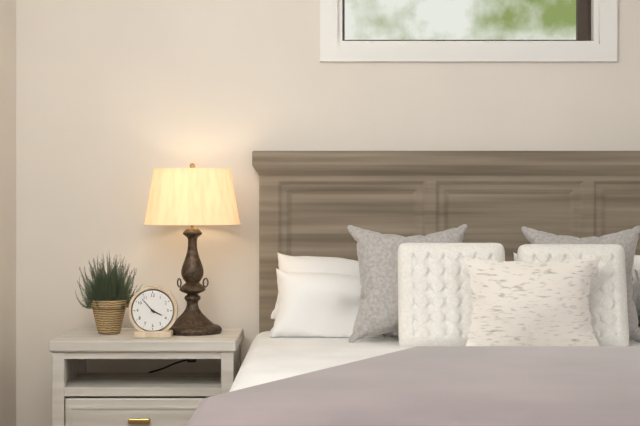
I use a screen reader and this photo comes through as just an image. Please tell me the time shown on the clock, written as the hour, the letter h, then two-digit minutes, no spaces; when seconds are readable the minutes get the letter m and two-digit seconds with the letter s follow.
3h53
